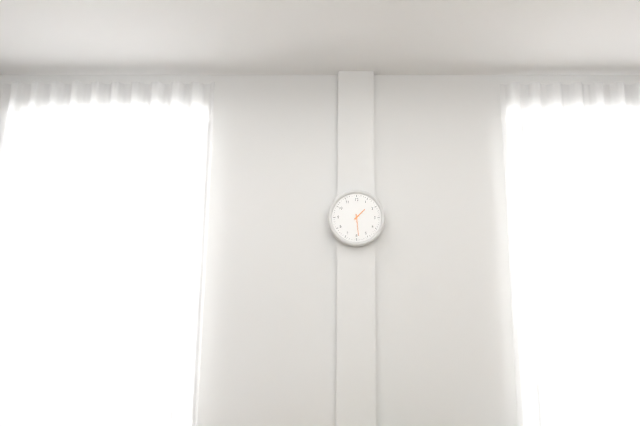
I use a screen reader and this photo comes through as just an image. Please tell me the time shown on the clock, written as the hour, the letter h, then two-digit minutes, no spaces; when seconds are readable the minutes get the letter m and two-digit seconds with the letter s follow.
1h29
